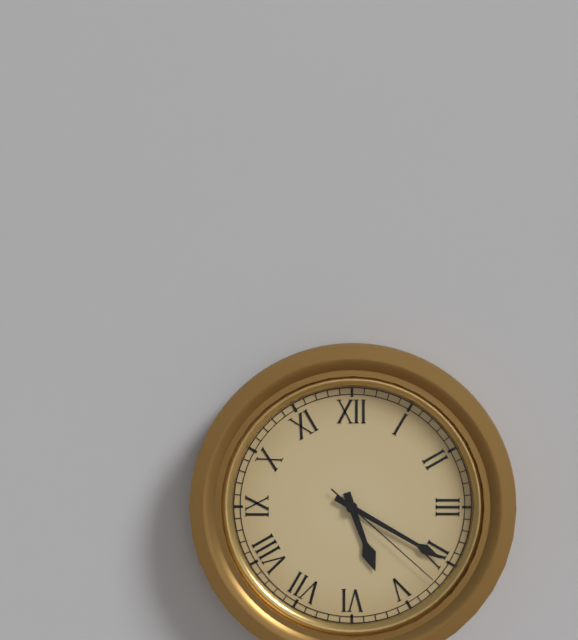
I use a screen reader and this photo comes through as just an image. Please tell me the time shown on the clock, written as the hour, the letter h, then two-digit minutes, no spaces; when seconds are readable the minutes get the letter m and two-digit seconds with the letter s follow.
5h20m22s
